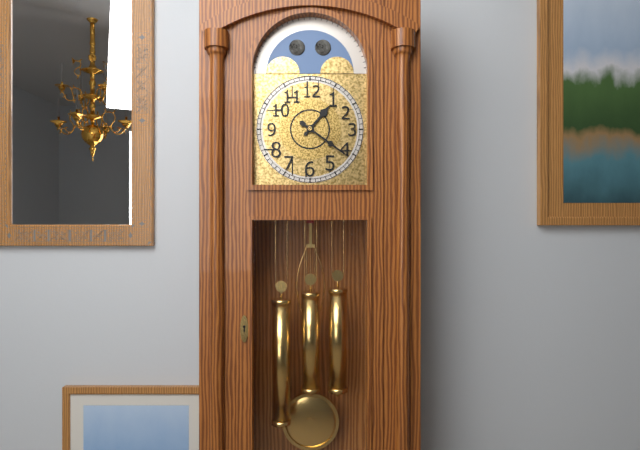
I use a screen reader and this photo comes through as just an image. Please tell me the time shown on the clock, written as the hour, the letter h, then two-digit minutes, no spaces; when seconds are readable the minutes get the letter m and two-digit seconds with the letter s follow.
1h21
